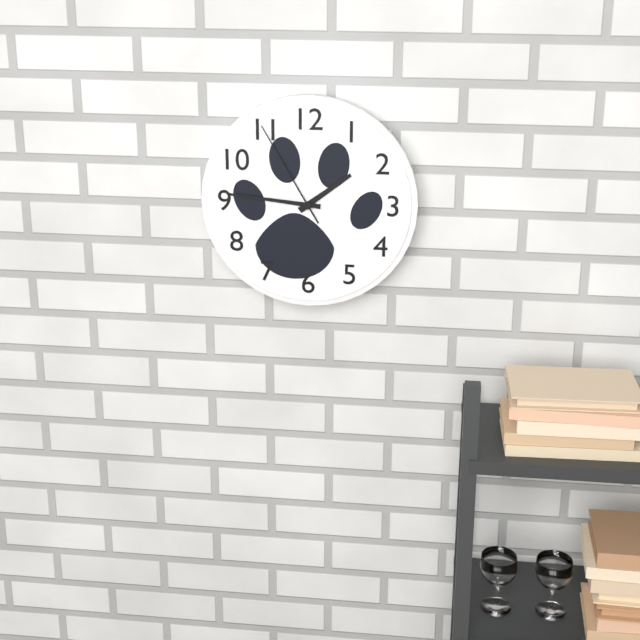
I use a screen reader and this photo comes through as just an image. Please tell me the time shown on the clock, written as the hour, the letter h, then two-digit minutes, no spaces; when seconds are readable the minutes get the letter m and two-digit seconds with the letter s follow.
1h46m55s
